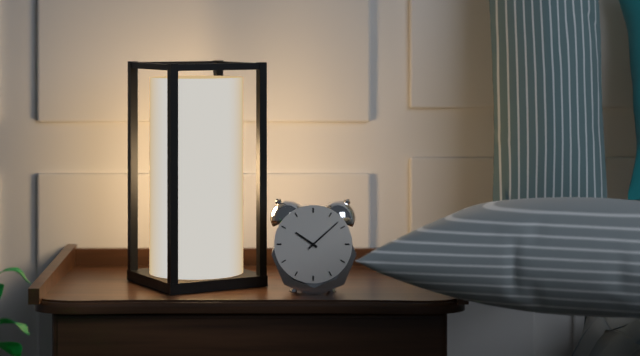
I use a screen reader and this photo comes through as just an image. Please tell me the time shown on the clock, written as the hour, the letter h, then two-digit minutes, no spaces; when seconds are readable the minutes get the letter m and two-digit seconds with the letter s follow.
10h08
